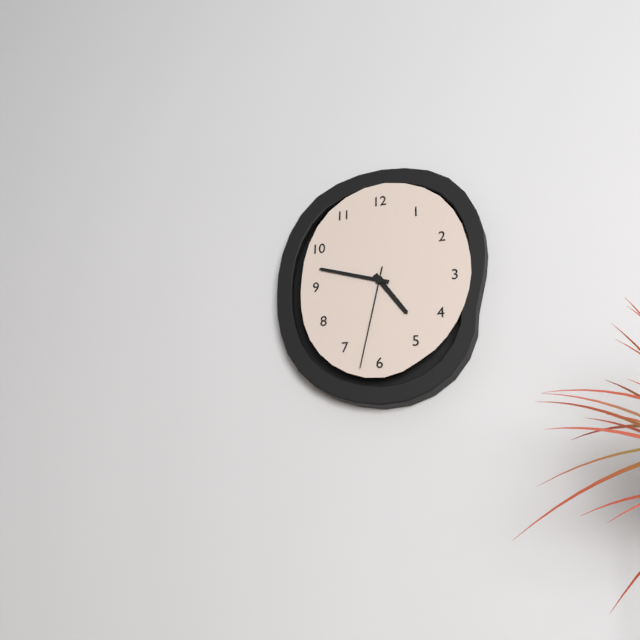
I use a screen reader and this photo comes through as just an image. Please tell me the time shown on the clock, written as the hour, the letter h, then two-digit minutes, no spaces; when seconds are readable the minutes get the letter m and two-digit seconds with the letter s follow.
4h48m32s
